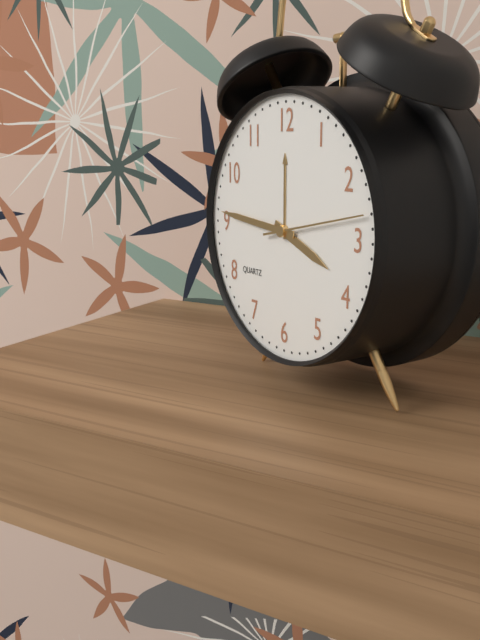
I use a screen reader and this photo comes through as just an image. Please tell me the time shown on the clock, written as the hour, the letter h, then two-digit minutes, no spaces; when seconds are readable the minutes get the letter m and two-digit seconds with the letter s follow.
3h46m13s
